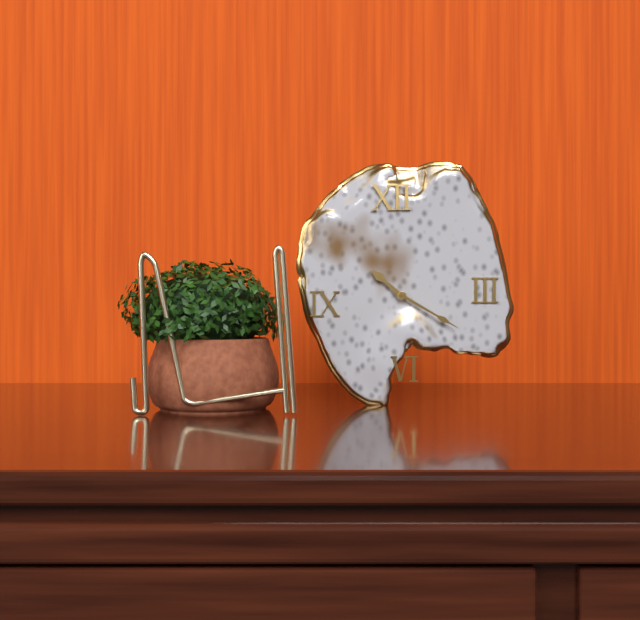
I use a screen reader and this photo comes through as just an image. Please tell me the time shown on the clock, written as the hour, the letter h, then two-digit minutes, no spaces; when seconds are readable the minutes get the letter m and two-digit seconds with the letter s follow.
10h20
